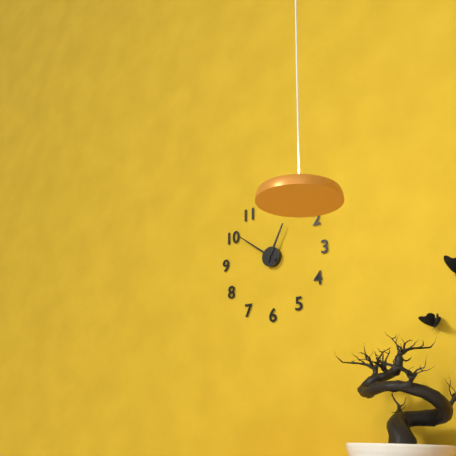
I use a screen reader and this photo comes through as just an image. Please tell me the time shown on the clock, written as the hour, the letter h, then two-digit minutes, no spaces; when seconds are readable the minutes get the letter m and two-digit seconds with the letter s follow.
12h51
